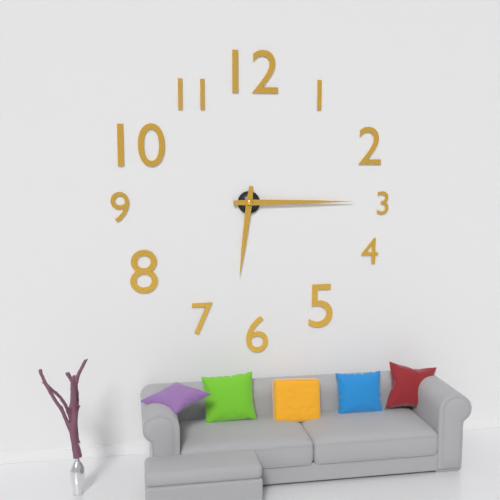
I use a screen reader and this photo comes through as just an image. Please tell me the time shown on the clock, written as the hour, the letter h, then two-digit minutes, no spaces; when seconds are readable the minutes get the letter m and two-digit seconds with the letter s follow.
6h15
